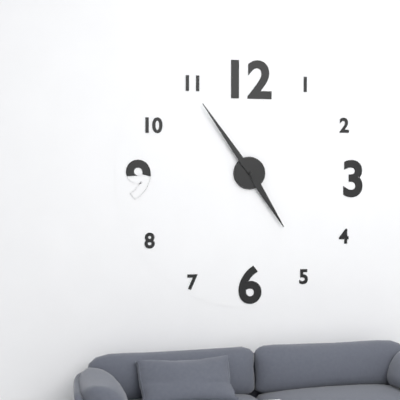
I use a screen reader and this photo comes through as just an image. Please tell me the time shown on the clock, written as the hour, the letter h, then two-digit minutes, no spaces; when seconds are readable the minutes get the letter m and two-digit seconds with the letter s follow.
4h54
